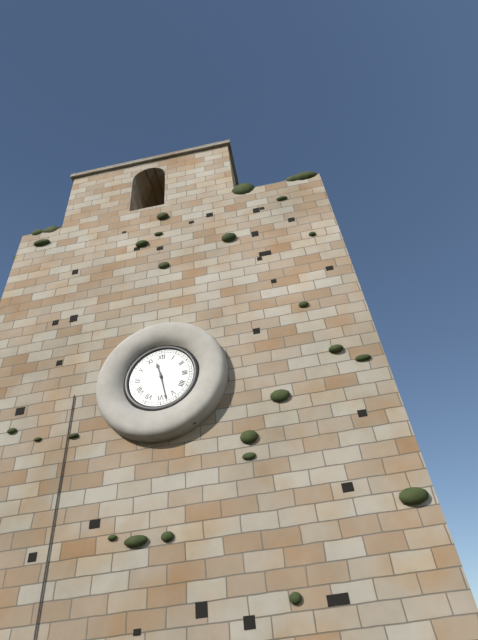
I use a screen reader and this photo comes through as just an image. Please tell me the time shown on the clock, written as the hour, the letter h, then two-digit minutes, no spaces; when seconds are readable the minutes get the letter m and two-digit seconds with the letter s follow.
11h28
